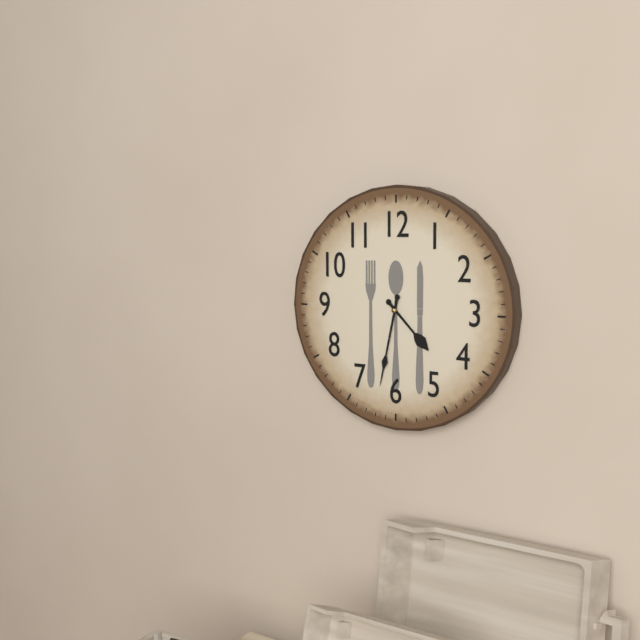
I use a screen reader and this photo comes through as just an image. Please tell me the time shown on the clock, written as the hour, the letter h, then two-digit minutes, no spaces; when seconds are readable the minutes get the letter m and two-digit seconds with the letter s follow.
4h32
